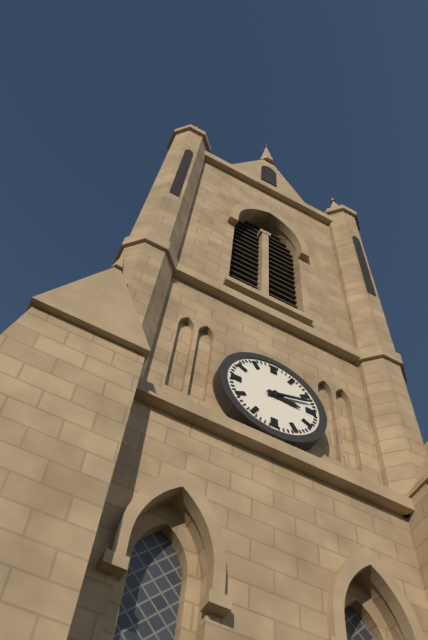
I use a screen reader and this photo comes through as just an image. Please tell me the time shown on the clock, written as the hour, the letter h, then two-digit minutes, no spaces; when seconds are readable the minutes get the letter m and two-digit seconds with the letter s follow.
3h12
